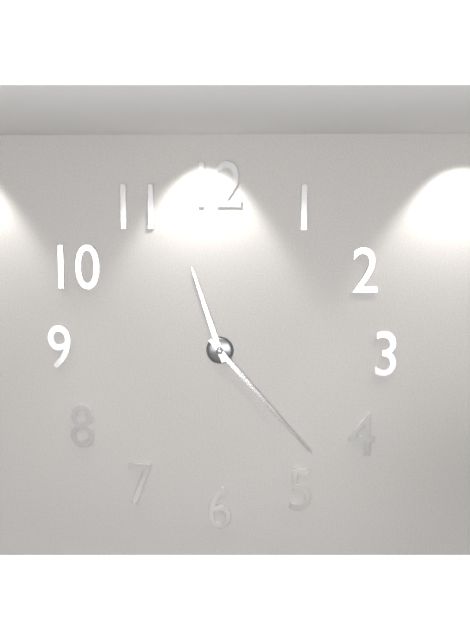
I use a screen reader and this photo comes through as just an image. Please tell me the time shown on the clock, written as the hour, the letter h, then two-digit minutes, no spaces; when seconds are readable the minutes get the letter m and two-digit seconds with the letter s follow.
11h23
